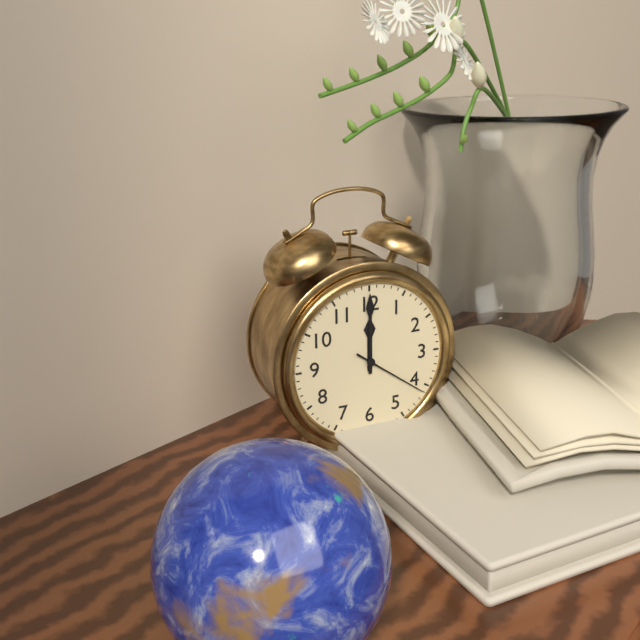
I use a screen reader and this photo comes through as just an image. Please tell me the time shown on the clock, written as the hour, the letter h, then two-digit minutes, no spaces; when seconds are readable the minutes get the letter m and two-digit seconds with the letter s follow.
12h00m21s
